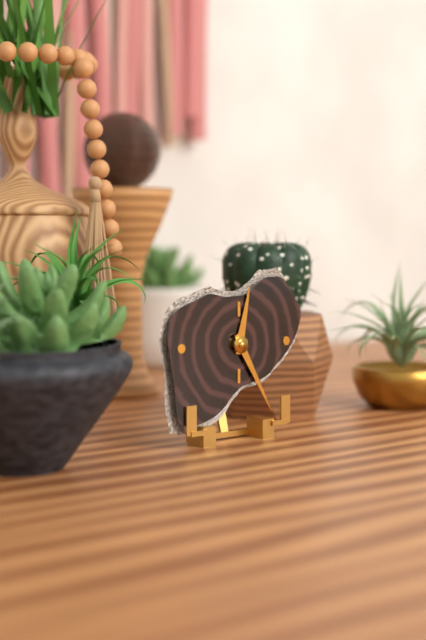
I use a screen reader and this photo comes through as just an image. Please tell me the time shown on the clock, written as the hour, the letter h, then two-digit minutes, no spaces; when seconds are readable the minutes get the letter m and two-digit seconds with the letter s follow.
12h25
